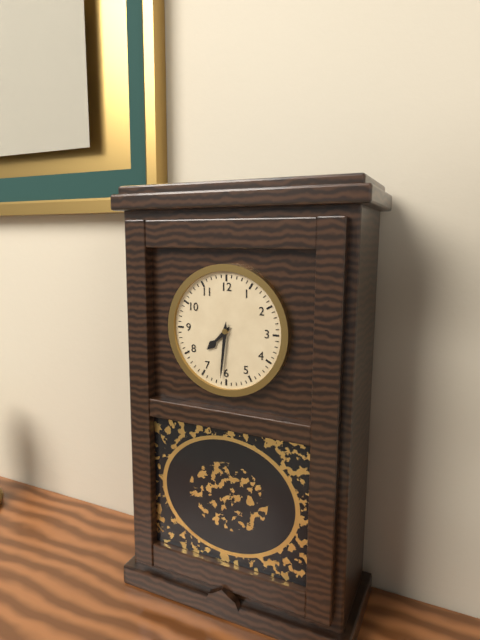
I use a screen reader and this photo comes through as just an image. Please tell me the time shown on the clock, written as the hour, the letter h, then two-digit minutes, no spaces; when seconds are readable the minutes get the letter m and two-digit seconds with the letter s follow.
7h31
